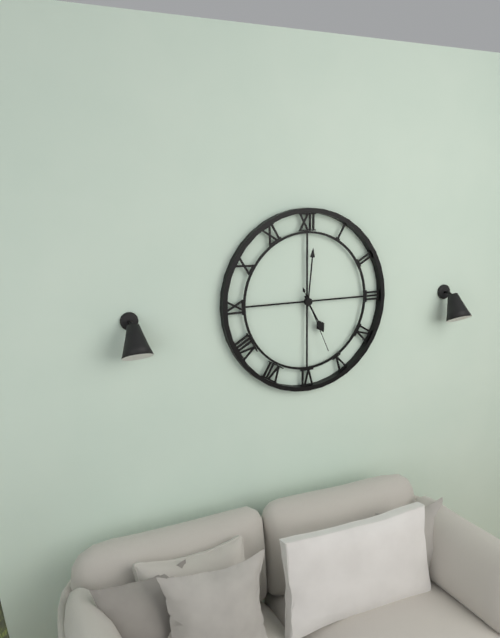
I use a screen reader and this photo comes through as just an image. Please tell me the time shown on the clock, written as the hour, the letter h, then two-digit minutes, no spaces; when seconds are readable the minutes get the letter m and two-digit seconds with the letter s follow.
5h01m26s
